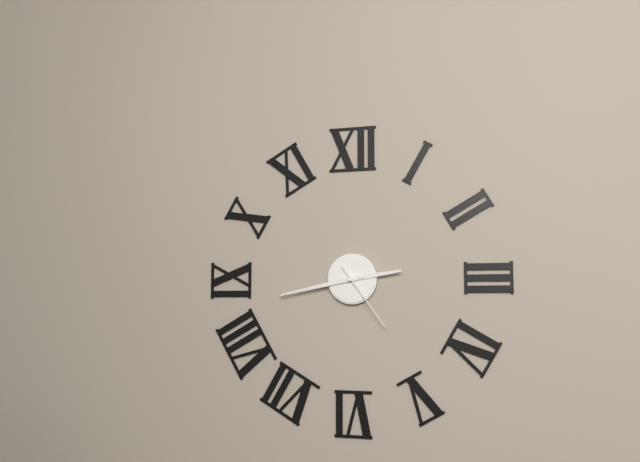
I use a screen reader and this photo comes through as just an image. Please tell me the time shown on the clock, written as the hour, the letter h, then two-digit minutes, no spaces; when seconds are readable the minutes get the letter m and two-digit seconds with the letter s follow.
2h43m24s
